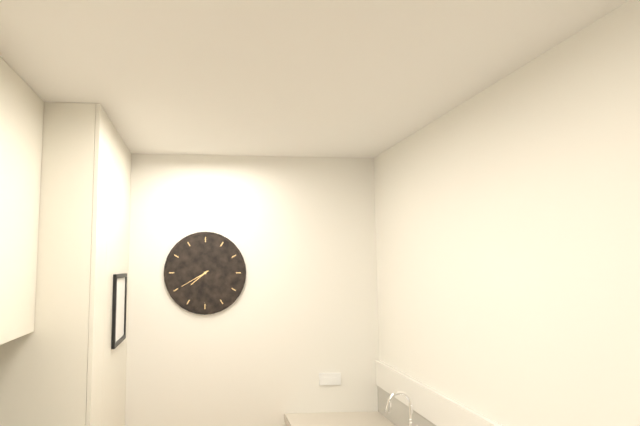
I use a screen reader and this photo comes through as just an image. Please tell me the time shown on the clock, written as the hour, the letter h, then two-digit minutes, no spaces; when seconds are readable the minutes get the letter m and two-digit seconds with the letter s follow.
7h40
